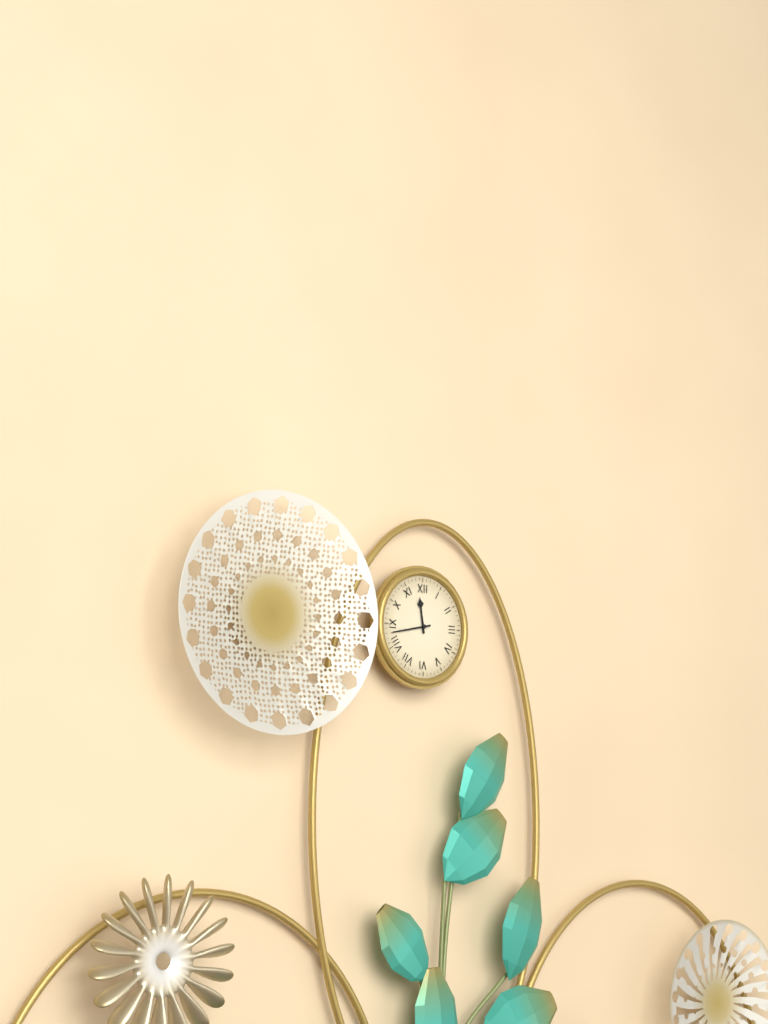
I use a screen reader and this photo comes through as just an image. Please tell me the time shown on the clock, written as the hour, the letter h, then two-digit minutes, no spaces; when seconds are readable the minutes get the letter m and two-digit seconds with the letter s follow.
11h43
